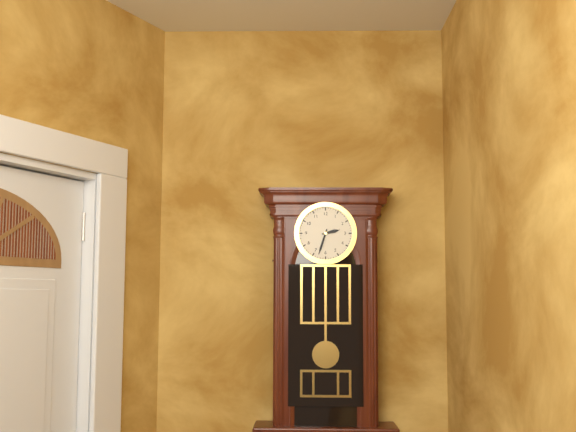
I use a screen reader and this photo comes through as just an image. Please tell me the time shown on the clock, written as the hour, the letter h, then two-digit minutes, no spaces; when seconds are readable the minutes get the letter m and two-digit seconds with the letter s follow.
2h33
